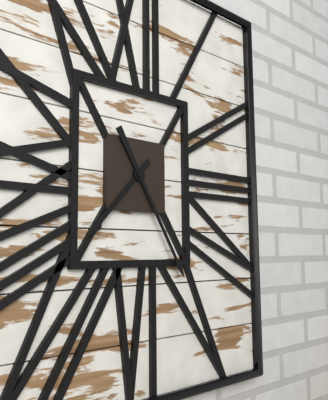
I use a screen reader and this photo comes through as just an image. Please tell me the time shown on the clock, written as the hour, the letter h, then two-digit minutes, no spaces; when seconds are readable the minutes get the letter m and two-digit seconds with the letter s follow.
7h25
